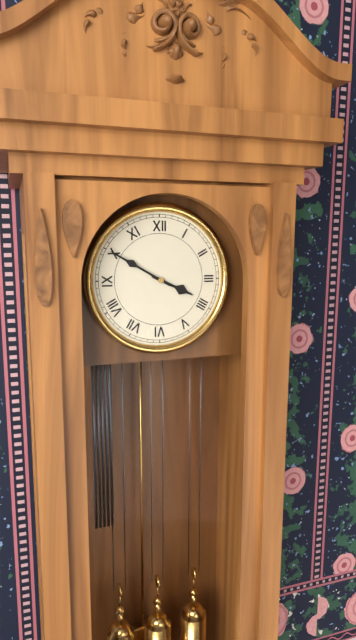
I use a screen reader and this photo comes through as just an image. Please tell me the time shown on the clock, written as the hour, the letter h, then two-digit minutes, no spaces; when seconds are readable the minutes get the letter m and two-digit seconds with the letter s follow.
3h50
